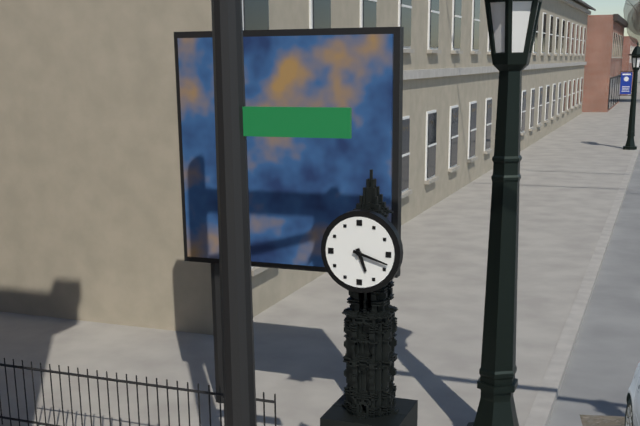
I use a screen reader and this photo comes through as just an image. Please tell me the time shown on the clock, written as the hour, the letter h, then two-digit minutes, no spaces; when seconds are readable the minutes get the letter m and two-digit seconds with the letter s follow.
5h18
